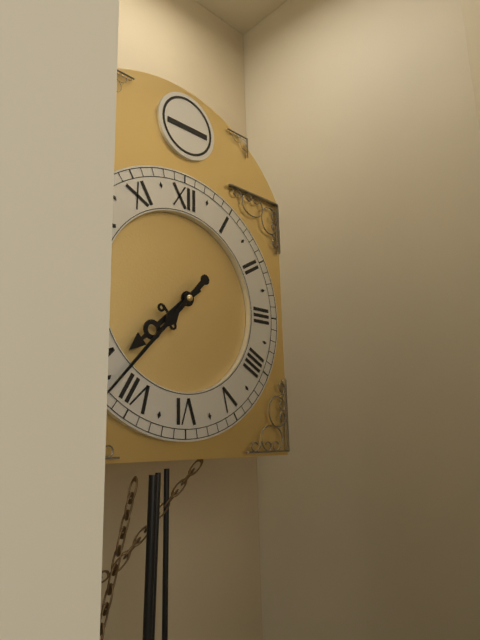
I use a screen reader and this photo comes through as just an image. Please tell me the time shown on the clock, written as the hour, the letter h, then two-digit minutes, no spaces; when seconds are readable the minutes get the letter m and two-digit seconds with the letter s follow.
7h37
